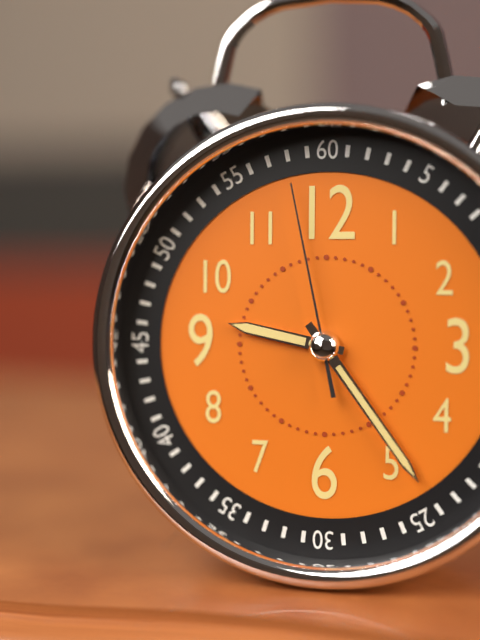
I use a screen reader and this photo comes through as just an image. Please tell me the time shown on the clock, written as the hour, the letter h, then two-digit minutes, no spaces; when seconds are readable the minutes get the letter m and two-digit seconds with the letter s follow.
9h24m58s
